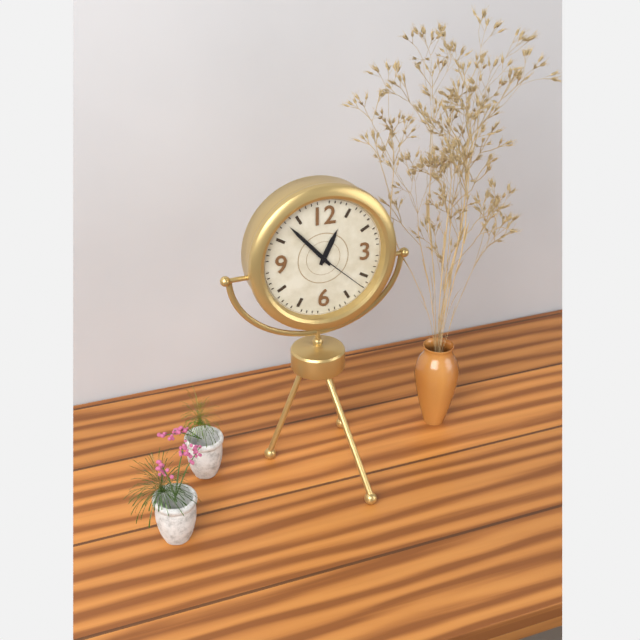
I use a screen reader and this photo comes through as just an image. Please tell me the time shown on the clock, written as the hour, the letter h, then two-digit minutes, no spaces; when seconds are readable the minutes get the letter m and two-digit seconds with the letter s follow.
12h53m22s
